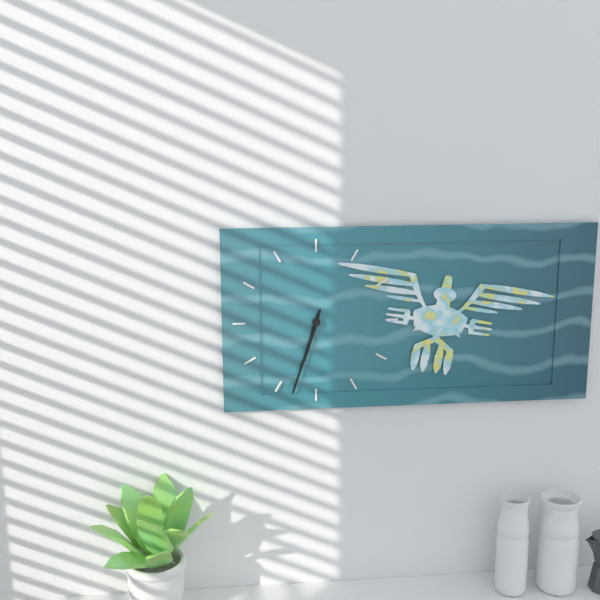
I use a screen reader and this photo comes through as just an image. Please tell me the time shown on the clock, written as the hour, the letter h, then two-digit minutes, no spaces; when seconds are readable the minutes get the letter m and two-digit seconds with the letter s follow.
6h33
